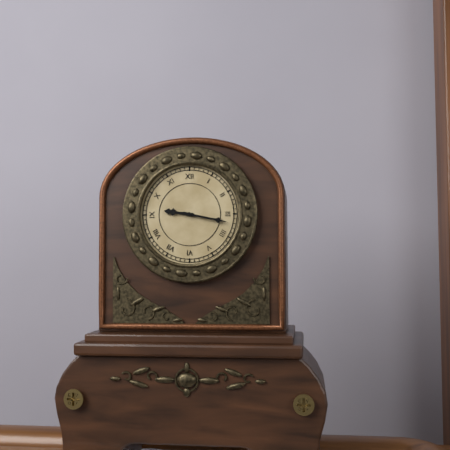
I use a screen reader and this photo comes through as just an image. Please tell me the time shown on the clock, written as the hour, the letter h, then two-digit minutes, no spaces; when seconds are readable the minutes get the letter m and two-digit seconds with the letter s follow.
9h17
